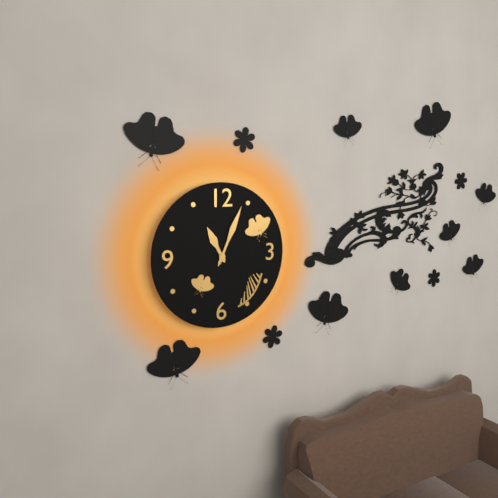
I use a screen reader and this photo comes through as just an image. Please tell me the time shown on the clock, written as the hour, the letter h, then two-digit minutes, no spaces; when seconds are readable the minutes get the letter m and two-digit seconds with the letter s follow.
11h04
